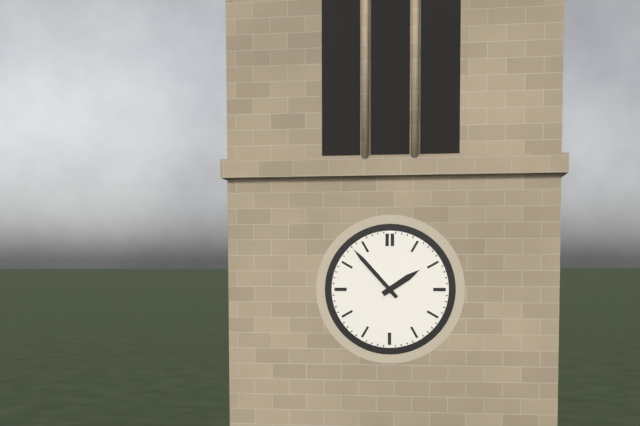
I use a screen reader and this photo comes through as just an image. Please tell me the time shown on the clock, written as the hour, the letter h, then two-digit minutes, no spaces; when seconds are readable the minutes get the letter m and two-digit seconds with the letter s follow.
1h53
